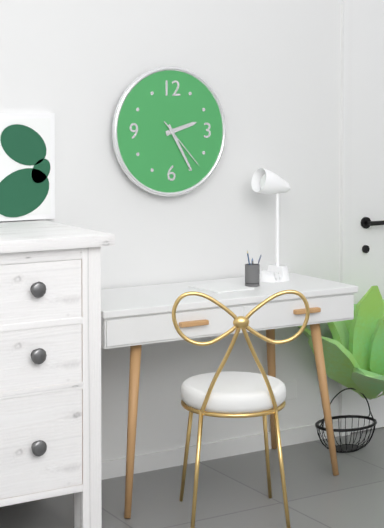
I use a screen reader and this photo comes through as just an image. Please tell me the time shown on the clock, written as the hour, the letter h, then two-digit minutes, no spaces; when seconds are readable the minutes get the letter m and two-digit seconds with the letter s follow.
2h25m23s
